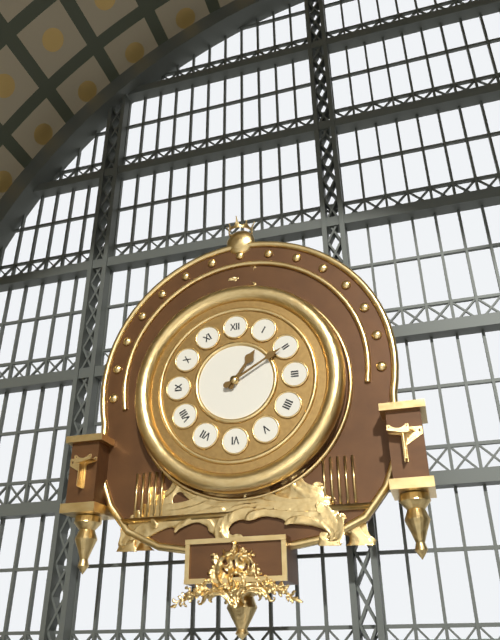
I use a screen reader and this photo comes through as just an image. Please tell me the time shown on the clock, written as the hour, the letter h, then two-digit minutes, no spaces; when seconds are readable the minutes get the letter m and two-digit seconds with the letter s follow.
1h10
